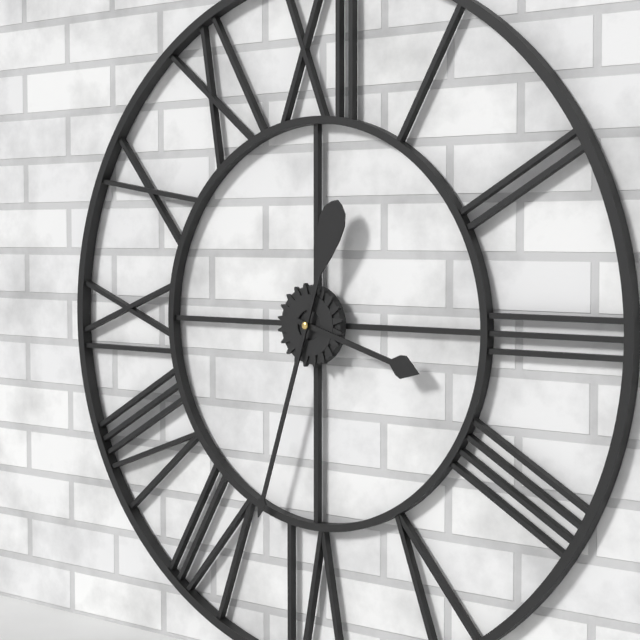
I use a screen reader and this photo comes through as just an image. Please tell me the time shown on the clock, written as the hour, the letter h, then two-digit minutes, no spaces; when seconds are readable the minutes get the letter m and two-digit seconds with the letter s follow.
3h33
